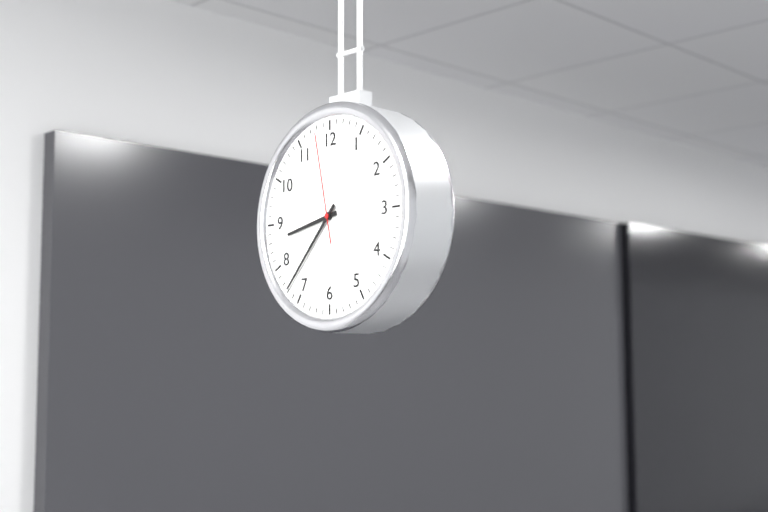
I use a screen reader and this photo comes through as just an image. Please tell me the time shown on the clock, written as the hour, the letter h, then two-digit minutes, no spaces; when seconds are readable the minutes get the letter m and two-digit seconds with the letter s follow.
8h37m58s
